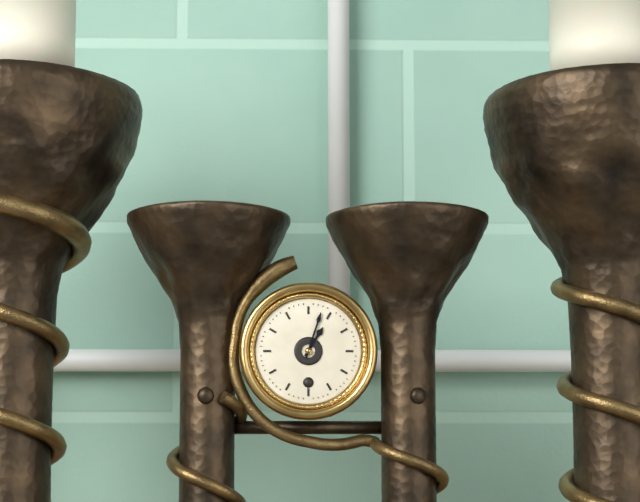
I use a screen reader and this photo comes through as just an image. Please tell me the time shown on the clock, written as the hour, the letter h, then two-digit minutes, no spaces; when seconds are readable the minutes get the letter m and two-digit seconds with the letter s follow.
1h03
